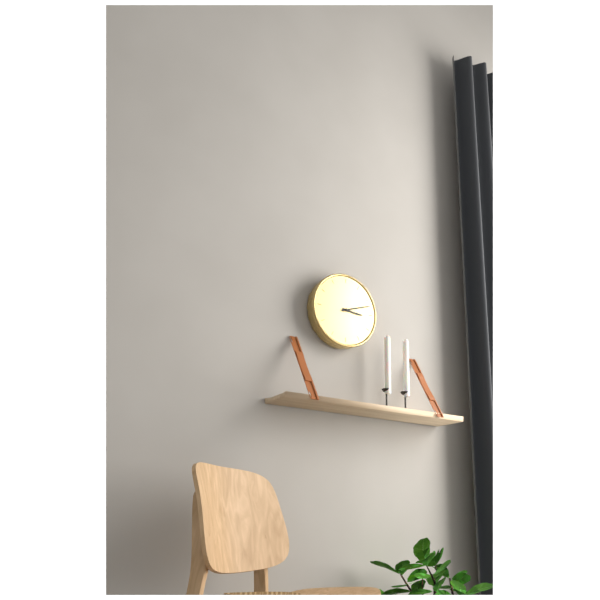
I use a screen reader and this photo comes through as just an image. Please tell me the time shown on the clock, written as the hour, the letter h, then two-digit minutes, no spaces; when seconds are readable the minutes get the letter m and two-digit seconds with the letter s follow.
3h12
